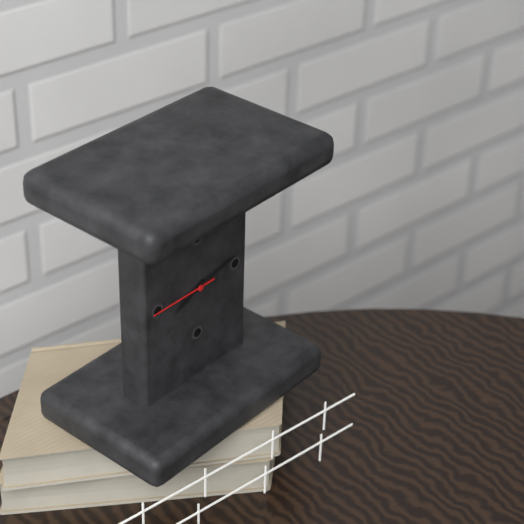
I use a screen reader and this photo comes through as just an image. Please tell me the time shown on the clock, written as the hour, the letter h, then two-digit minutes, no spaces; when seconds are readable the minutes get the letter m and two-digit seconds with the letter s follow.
8h13m45s
